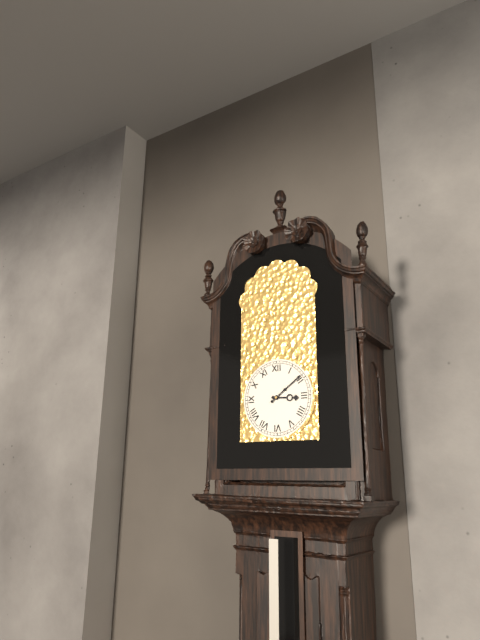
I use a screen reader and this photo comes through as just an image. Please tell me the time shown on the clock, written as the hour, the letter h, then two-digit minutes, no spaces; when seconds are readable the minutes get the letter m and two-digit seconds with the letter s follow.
3h09
